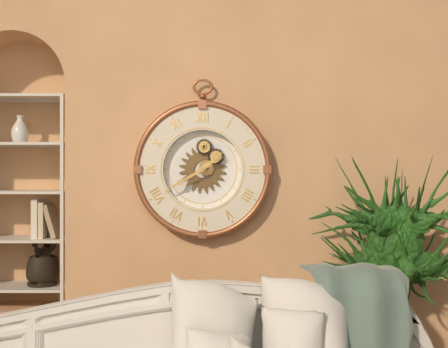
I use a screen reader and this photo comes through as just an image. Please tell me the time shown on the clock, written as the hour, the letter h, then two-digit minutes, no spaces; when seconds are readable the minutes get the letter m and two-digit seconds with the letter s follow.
1h40
